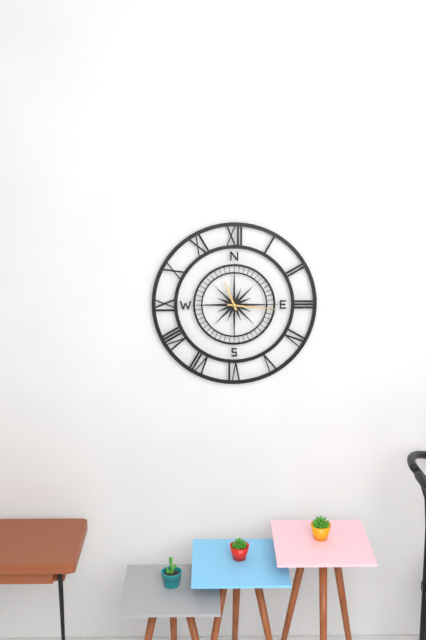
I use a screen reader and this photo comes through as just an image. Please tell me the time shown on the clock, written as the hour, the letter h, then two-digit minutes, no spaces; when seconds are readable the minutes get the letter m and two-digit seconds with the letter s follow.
11h16
